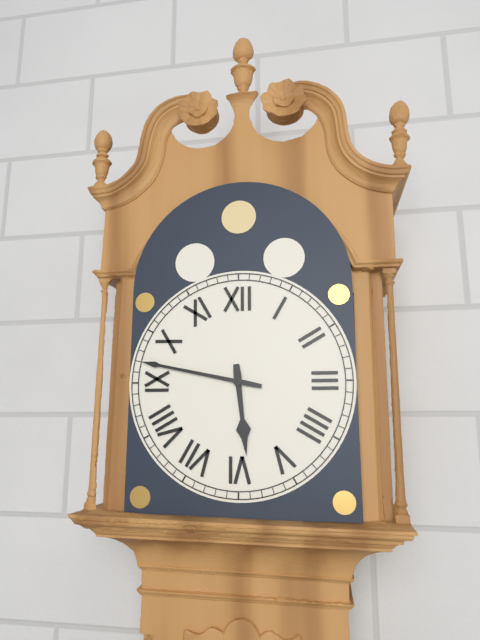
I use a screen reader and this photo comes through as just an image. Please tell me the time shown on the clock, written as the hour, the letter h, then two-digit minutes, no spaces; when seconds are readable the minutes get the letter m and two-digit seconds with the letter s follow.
5h47
